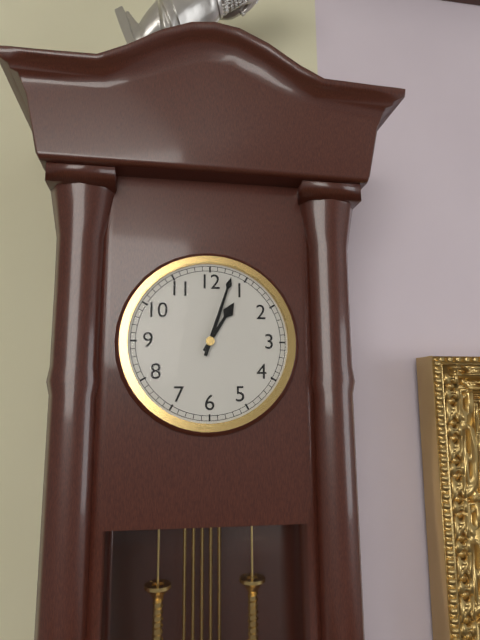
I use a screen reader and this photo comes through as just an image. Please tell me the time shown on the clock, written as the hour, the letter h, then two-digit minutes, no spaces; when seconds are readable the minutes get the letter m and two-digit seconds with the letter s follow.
1h03
